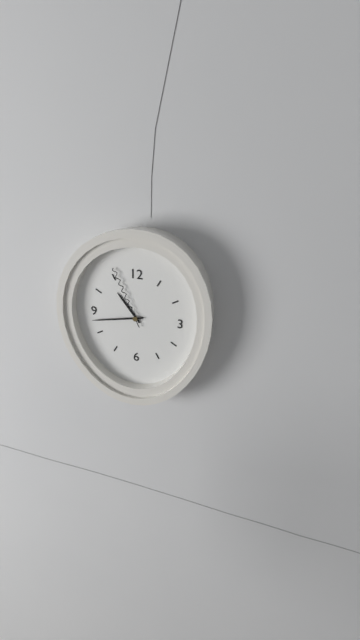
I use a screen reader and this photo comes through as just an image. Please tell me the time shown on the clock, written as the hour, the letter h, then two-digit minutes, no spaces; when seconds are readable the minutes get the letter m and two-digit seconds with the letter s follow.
10h43m56s
